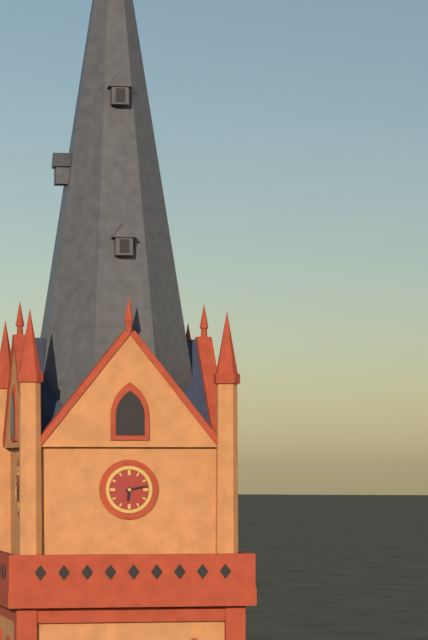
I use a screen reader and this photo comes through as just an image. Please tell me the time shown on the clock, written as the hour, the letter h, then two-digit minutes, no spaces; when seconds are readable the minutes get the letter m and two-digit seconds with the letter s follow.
6h13
